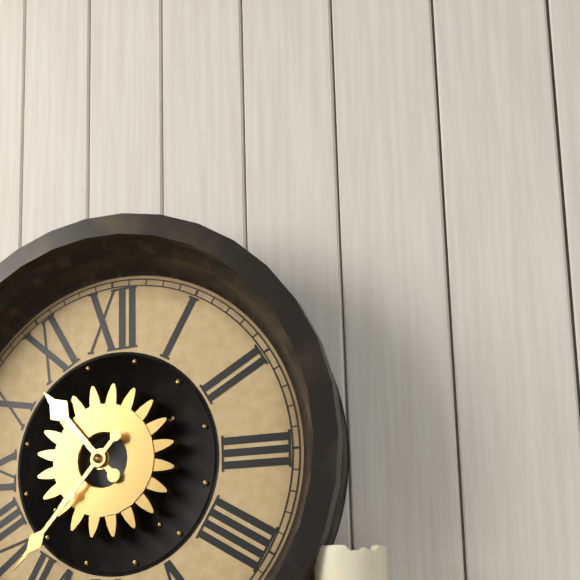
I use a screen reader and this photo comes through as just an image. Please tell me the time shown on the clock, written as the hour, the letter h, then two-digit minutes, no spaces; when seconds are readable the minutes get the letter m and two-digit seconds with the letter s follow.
10h37
